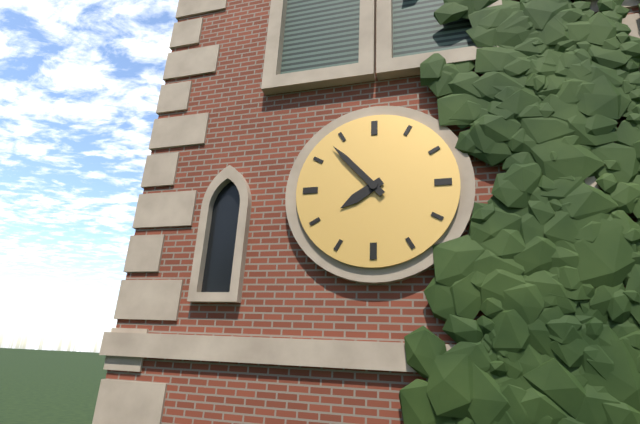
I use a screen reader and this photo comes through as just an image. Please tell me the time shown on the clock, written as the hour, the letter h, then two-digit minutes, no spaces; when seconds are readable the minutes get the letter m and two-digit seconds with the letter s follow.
7h53
